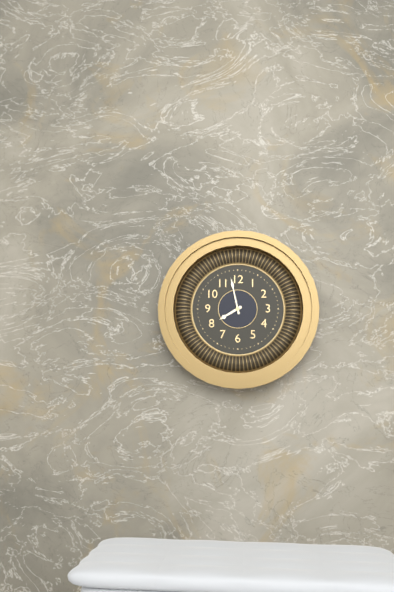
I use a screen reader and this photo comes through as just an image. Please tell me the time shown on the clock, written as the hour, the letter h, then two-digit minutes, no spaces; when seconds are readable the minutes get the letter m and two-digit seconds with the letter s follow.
7h58
